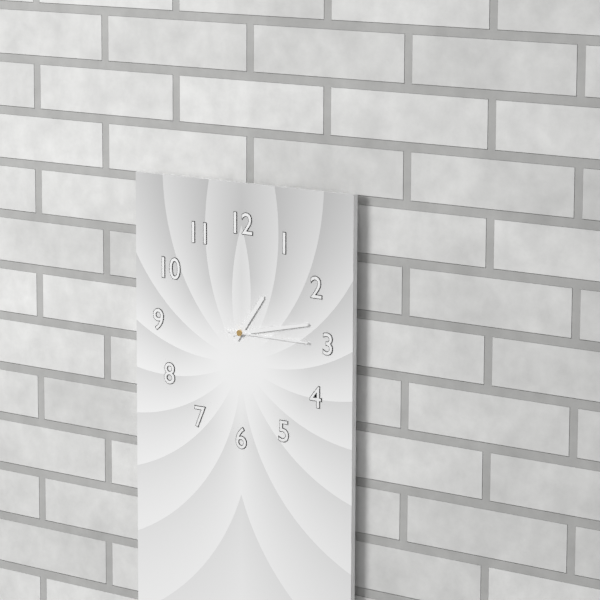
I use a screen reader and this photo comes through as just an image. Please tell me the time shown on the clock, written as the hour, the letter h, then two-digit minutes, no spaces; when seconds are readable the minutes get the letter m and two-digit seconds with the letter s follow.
1h13m15s
